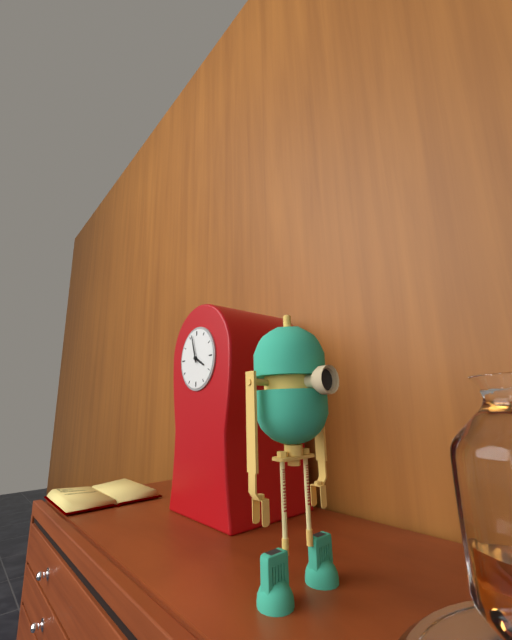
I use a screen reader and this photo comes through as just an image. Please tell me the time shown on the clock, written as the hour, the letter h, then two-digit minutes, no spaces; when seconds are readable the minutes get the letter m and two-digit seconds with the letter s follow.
3h57
